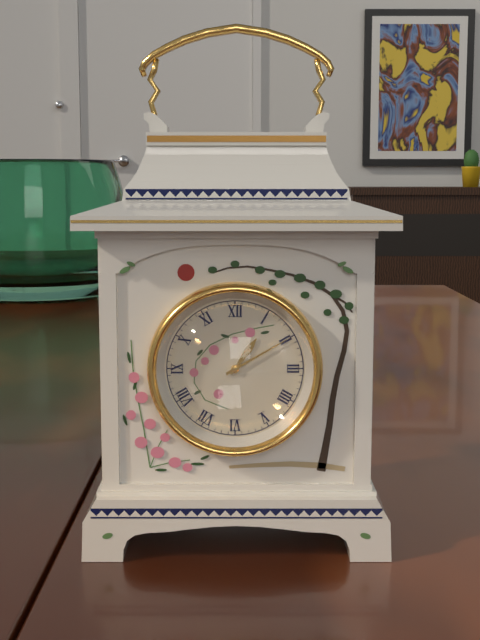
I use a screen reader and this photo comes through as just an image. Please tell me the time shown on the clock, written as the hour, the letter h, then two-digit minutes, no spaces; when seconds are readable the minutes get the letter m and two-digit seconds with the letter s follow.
1h10
